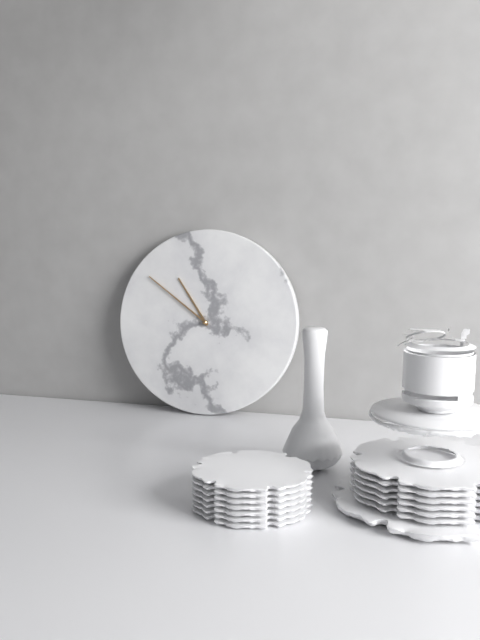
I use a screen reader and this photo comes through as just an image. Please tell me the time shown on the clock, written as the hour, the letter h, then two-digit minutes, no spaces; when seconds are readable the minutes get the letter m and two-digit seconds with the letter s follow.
10h51
